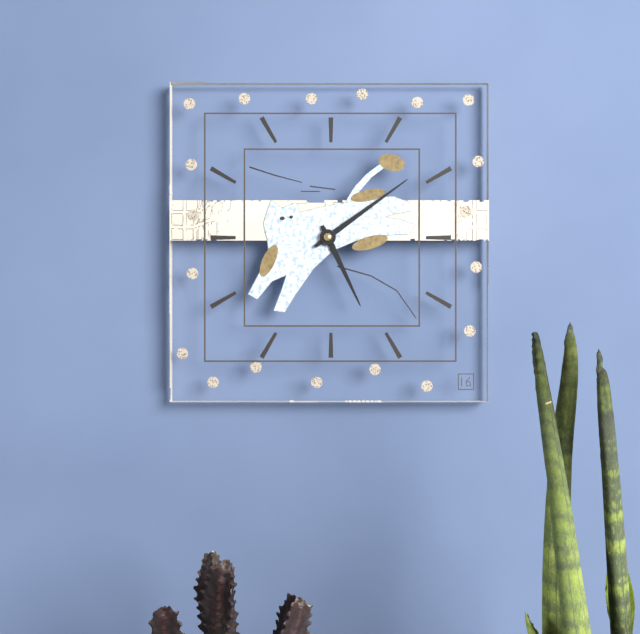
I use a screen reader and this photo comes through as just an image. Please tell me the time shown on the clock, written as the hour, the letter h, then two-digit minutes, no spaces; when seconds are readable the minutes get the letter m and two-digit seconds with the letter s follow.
5h09
